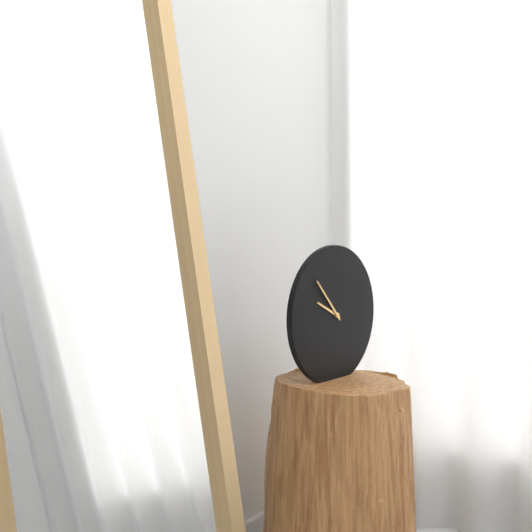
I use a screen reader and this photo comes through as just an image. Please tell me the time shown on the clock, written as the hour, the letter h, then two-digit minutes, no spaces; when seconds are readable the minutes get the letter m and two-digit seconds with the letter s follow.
9h53
